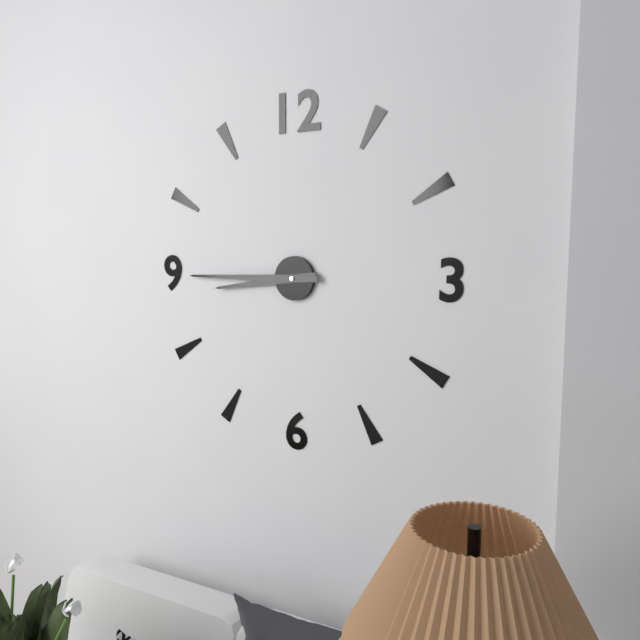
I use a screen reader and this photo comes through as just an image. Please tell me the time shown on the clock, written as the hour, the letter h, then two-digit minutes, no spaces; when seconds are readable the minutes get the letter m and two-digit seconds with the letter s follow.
8h45
